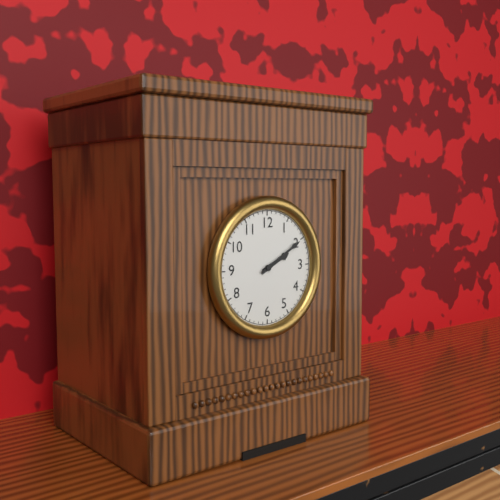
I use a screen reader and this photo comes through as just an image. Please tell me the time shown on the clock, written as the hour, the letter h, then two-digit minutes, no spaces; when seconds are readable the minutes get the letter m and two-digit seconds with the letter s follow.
2h10
